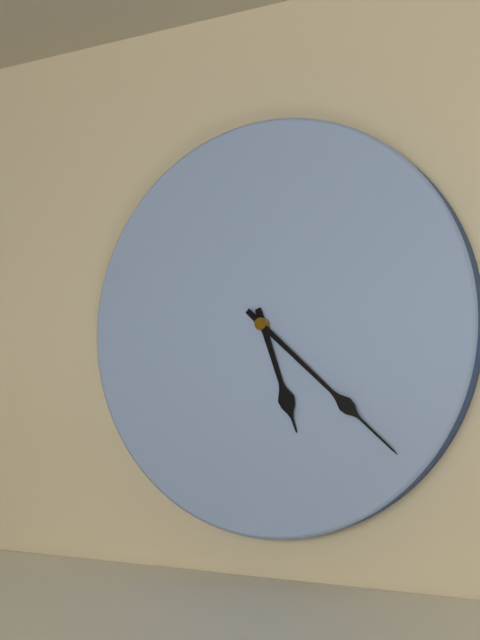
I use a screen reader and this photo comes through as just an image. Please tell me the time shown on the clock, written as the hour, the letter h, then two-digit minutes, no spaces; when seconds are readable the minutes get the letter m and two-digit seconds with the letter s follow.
5h22
